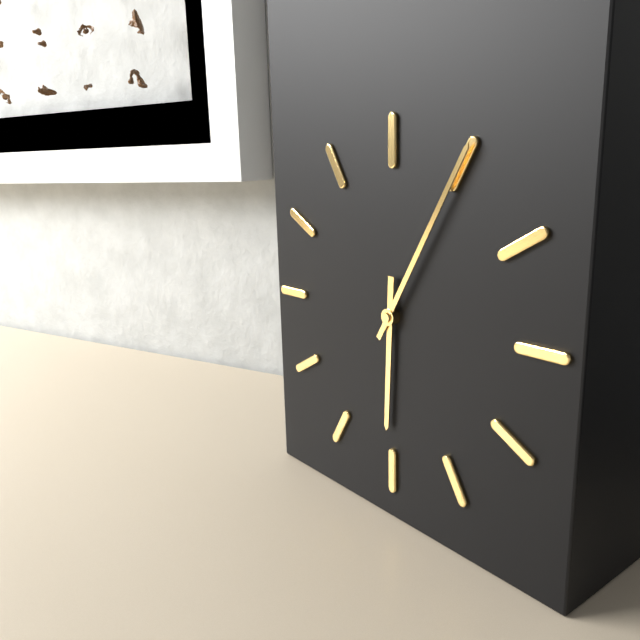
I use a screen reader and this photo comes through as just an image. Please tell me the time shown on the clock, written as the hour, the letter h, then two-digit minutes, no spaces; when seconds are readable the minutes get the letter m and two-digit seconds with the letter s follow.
6h05
